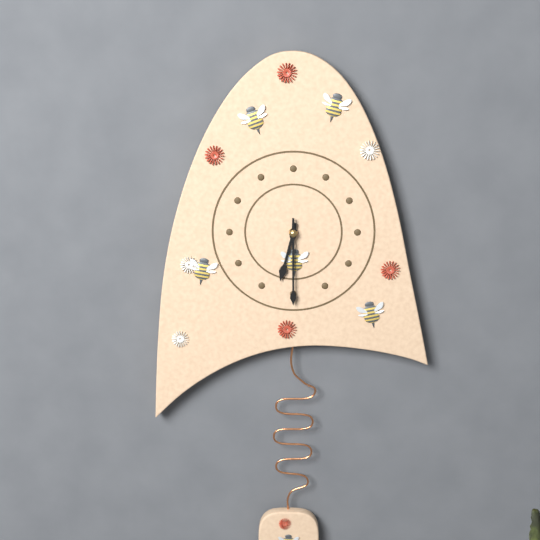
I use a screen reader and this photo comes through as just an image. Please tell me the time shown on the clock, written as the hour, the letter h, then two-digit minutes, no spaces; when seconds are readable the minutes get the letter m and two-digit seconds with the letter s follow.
6h30
